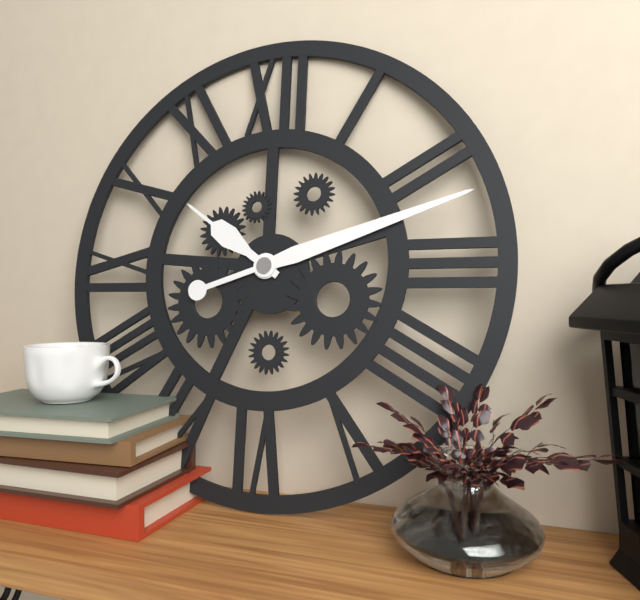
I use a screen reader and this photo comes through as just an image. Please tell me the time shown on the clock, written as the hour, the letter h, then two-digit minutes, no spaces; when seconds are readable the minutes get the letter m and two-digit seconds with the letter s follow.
10h12
